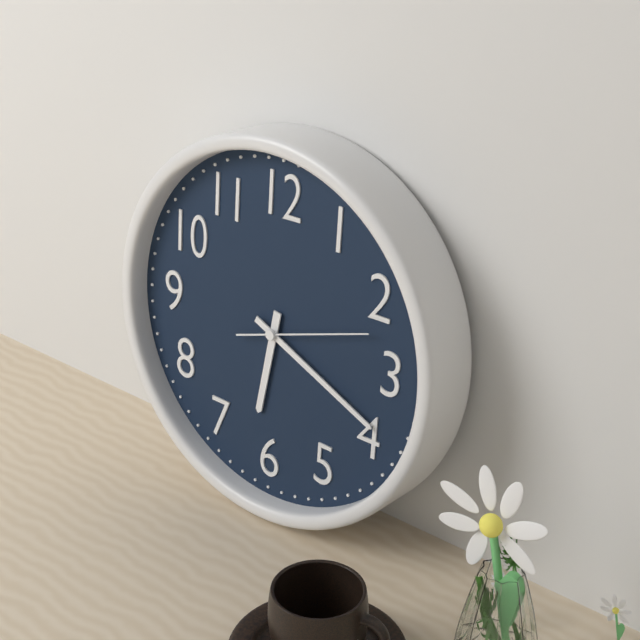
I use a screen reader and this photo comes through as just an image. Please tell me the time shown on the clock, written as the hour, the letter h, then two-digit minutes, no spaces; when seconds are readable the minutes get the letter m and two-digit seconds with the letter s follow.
6h19m12s
